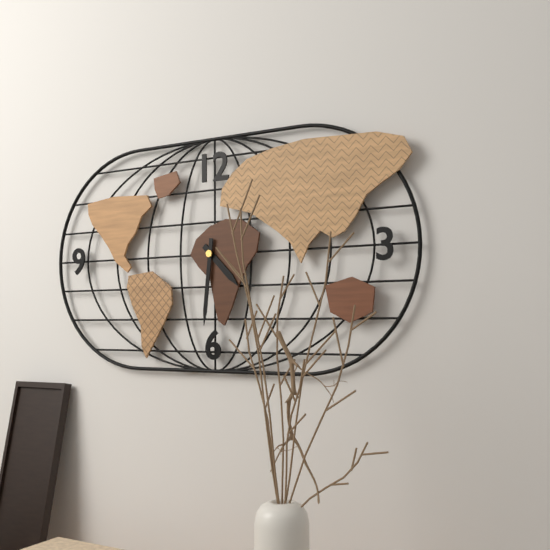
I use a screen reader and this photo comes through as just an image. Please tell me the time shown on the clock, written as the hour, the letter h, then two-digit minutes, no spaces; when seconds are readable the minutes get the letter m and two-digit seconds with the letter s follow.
4h31
